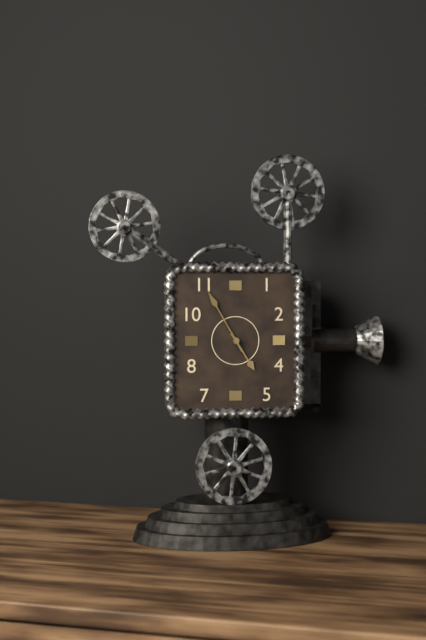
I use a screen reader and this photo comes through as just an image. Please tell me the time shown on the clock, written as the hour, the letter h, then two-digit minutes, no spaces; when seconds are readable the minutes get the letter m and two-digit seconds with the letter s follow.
4h55
